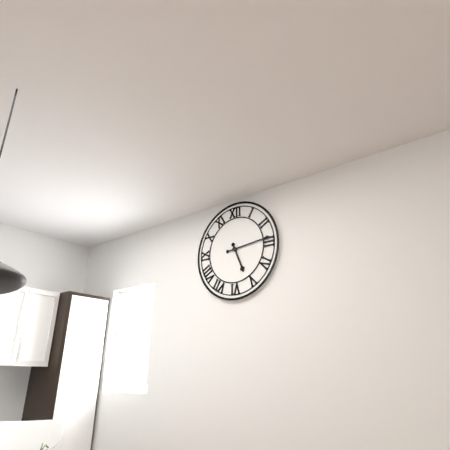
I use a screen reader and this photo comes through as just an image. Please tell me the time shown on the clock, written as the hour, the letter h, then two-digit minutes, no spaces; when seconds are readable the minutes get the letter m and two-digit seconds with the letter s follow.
5h14
